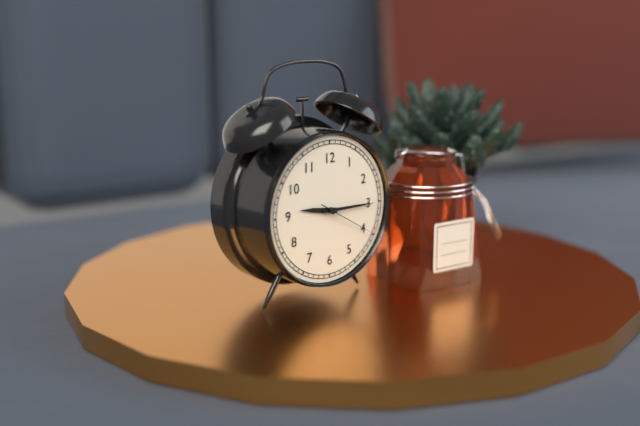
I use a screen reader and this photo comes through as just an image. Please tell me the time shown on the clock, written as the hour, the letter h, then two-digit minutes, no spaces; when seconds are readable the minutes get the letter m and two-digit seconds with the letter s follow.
9h15m20s
